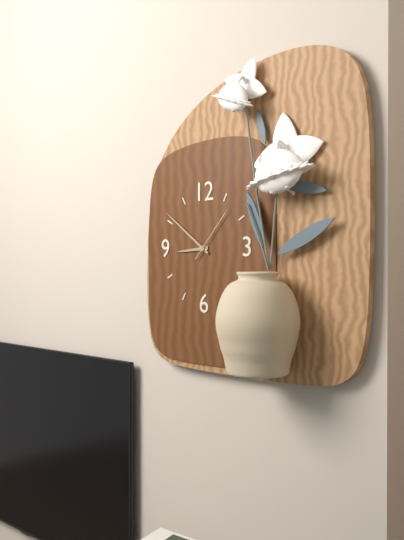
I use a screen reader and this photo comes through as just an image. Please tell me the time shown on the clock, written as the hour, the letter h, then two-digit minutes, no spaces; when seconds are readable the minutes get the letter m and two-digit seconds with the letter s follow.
8h51m07s
